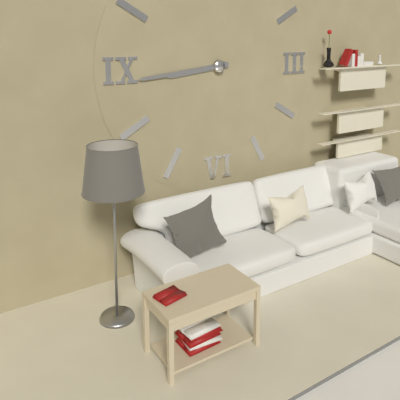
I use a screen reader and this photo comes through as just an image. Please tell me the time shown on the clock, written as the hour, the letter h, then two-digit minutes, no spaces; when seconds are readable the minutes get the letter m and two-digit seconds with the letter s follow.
8h44
